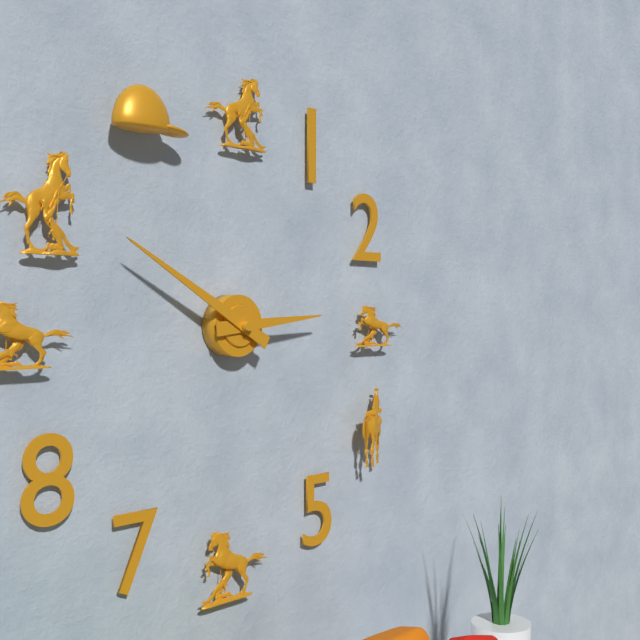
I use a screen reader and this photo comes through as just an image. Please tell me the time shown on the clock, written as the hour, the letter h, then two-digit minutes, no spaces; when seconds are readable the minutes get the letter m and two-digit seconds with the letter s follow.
2h50
